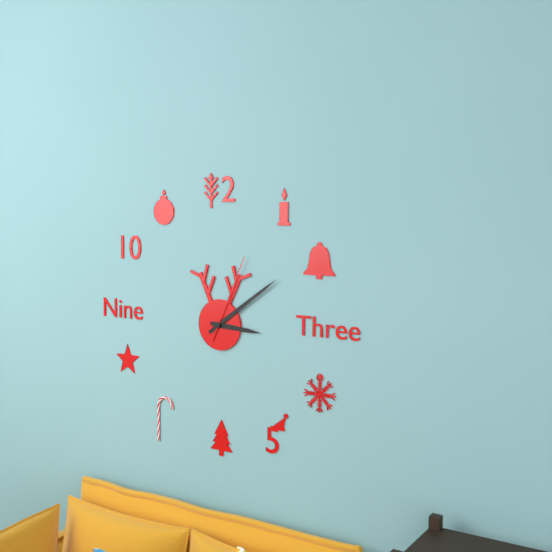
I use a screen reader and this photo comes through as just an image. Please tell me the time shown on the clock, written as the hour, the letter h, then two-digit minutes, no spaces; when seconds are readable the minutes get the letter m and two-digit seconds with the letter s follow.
3h09m04s
